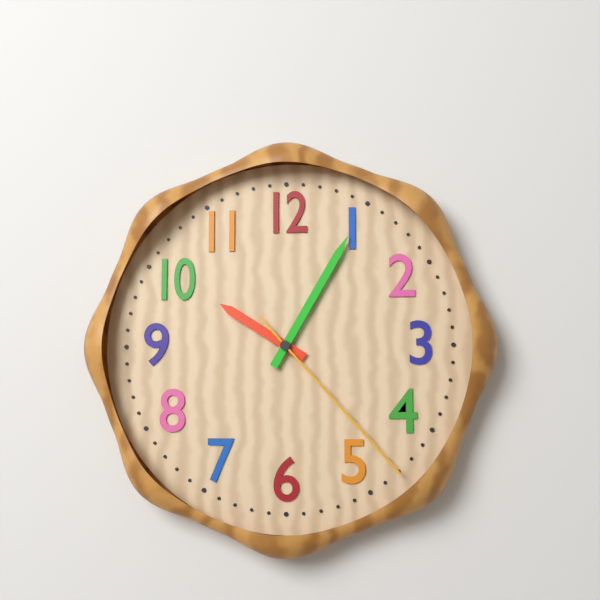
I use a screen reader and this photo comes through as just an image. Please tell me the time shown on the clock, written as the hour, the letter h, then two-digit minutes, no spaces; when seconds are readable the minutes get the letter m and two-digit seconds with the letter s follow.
10h05m23s
